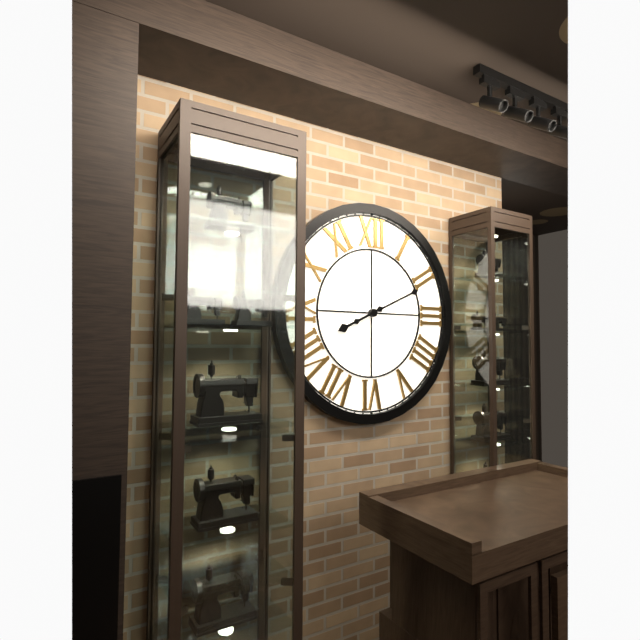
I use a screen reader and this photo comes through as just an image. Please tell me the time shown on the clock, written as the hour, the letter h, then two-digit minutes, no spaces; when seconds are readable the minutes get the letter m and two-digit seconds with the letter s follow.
8h11
